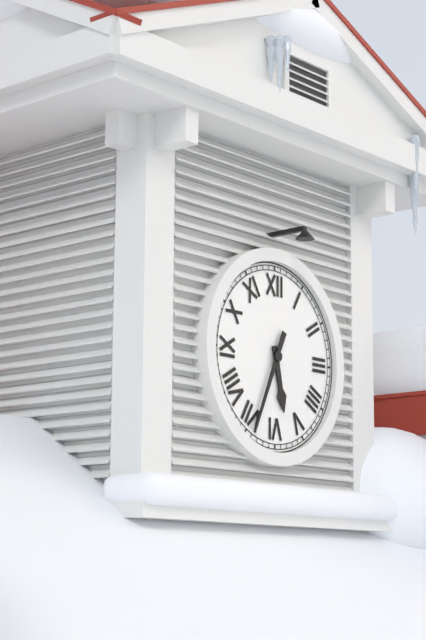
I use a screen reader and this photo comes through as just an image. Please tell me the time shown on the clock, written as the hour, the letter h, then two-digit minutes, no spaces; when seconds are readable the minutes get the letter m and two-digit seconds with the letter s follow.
5h34
